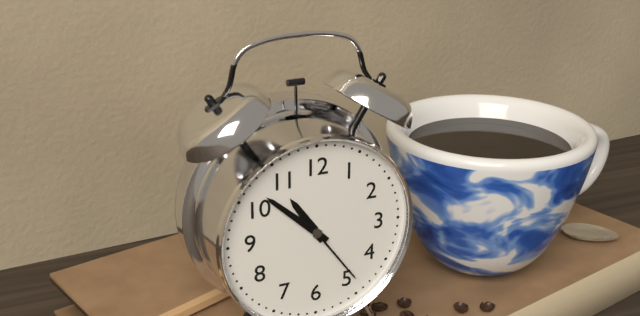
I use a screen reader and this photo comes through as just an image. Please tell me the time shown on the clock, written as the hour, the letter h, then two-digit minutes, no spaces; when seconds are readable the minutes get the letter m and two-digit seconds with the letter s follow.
10h52m24s
